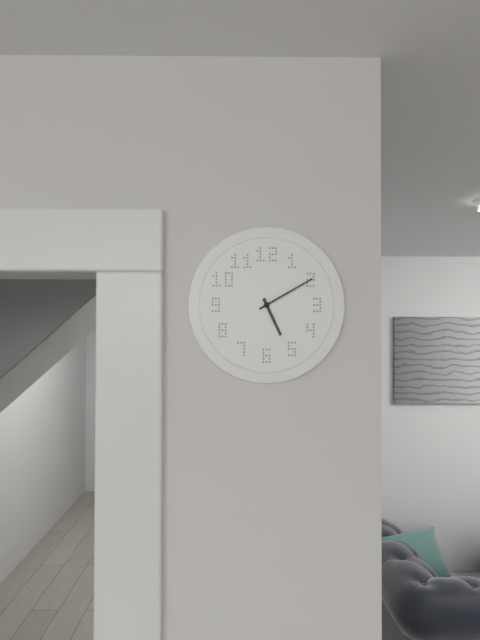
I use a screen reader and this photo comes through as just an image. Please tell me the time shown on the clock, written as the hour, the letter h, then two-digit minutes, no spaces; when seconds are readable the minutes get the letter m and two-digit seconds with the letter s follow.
5h10
